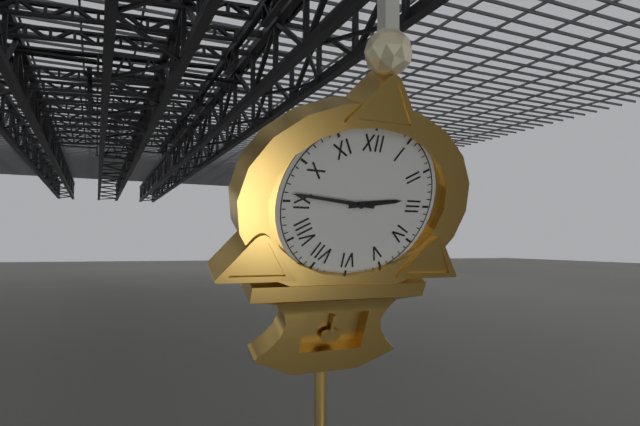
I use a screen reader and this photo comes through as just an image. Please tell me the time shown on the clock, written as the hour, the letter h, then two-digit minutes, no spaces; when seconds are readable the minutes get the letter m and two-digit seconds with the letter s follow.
2h46
